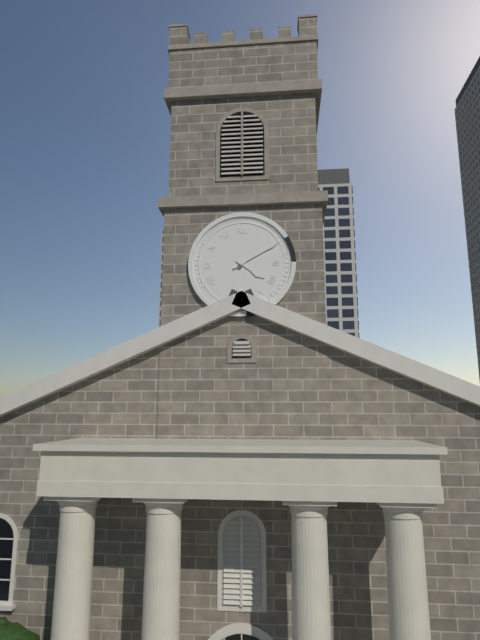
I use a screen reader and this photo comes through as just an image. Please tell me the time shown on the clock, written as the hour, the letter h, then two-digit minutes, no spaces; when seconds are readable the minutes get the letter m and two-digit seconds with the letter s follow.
4h10
